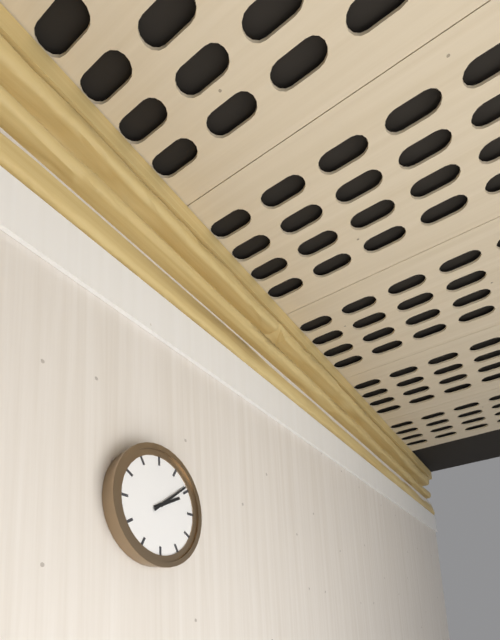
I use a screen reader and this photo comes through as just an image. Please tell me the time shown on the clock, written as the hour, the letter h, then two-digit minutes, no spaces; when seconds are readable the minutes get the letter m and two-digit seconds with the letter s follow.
2h09
